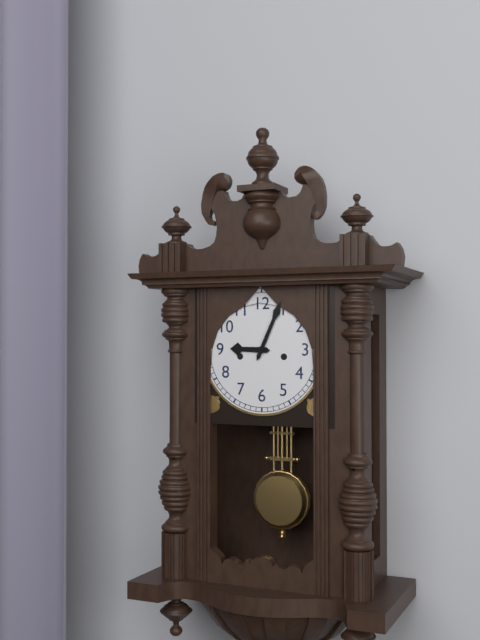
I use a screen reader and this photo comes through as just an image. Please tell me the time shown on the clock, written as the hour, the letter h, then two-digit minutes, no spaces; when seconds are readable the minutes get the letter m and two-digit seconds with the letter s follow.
9h04
